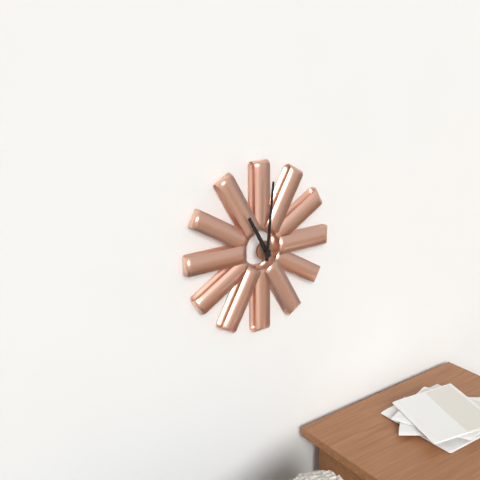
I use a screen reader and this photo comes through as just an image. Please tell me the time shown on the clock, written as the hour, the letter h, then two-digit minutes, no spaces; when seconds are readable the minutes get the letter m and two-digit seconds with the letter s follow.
11h01
